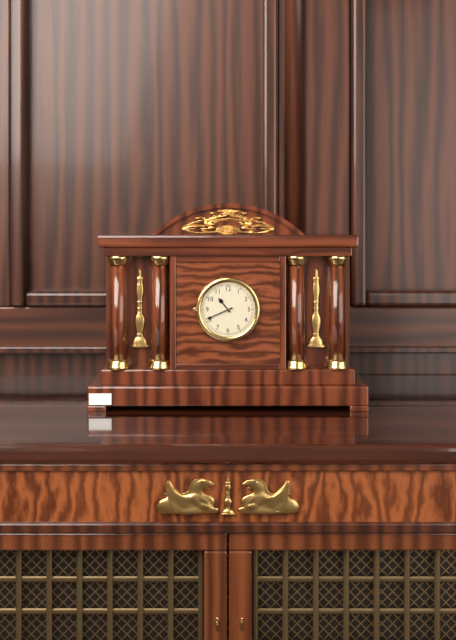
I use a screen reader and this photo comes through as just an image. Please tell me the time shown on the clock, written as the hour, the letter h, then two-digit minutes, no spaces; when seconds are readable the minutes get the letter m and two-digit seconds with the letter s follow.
10h41
